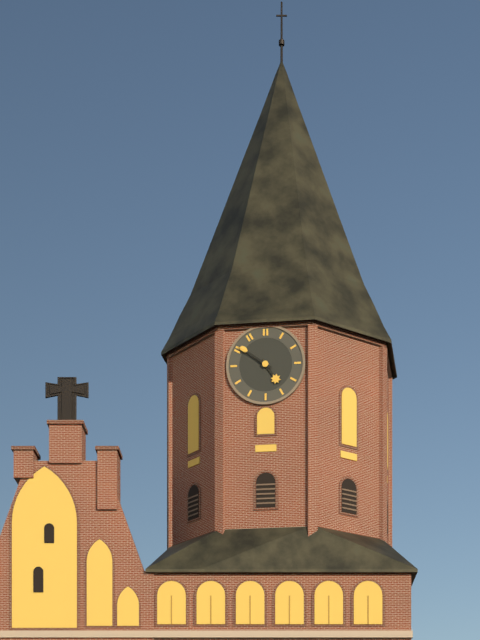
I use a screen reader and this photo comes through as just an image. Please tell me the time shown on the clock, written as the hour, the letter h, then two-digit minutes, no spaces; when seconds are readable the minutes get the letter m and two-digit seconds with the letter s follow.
4h51
